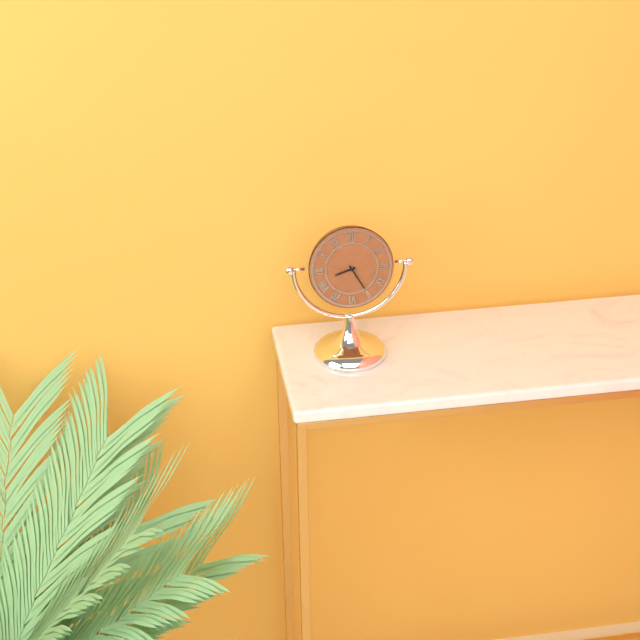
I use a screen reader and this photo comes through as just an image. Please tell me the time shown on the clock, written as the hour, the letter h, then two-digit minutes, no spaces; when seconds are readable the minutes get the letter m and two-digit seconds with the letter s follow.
8h25
